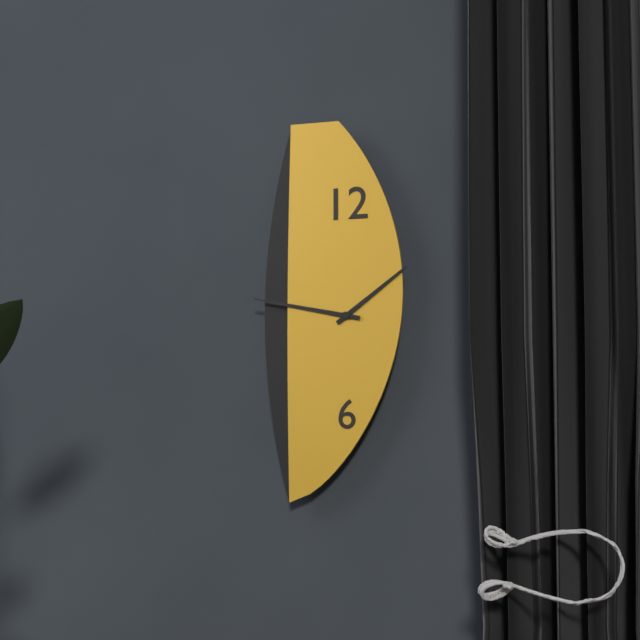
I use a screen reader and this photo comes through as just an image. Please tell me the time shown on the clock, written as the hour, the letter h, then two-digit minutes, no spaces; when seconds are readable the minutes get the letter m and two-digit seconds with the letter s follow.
1h47
